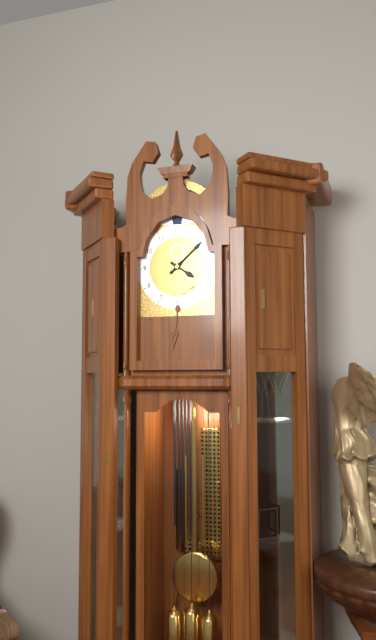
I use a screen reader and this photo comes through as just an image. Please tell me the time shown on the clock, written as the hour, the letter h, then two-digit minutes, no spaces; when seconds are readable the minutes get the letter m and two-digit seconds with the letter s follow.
4h08
